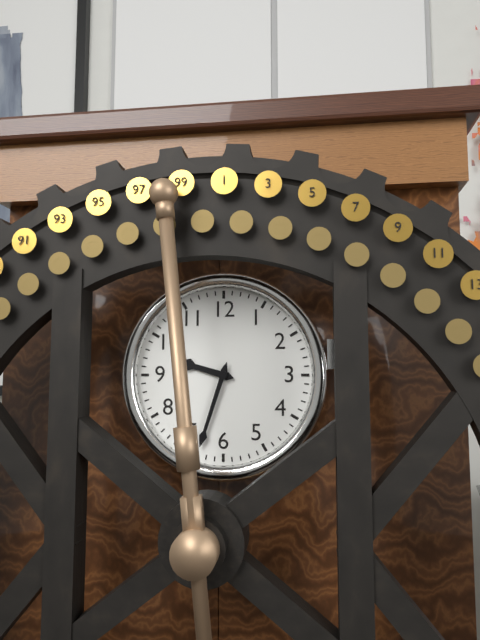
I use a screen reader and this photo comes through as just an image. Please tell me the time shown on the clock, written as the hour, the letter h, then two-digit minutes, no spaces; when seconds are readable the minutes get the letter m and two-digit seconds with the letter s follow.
9h33
